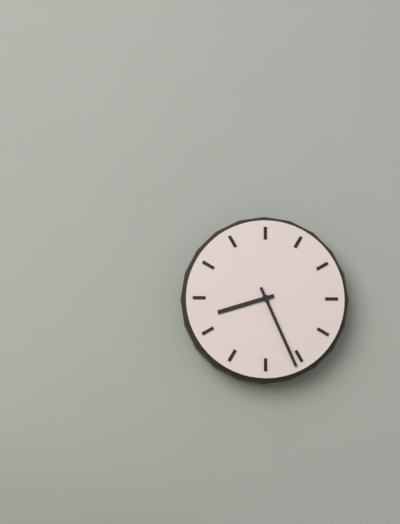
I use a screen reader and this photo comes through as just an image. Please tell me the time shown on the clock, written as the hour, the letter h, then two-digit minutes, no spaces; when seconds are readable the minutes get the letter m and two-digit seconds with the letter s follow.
8h26
